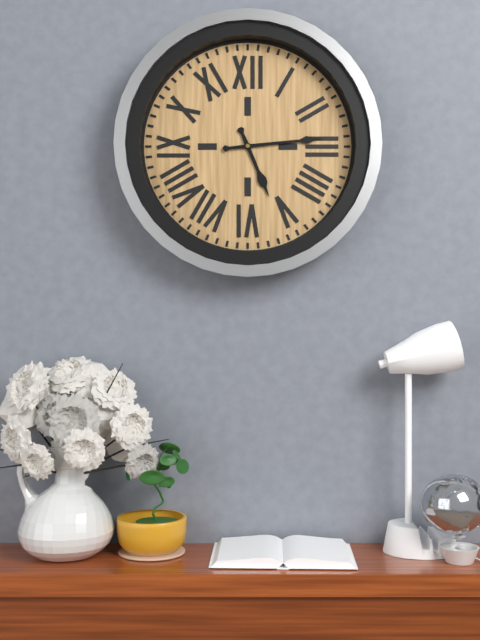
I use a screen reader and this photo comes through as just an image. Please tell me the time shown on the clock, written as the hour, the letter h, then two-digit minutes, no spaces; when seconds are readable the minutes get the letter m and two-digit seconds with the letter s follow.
5h14
